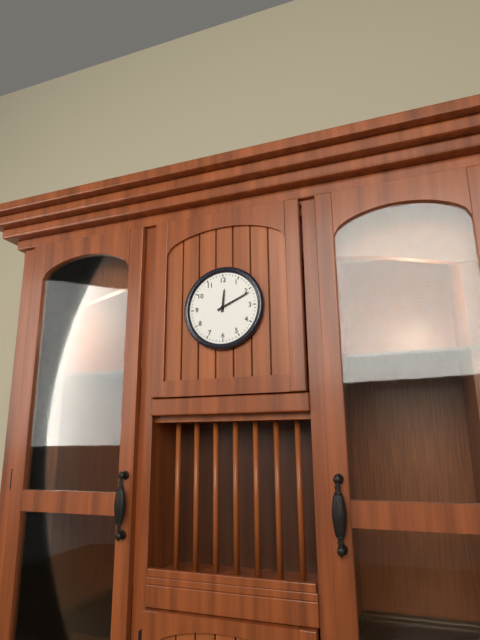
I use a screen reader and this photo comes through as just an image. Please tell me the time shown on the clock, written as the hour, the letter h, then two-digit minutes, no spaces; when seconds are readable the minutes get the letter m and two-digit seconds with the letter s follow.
12h11
